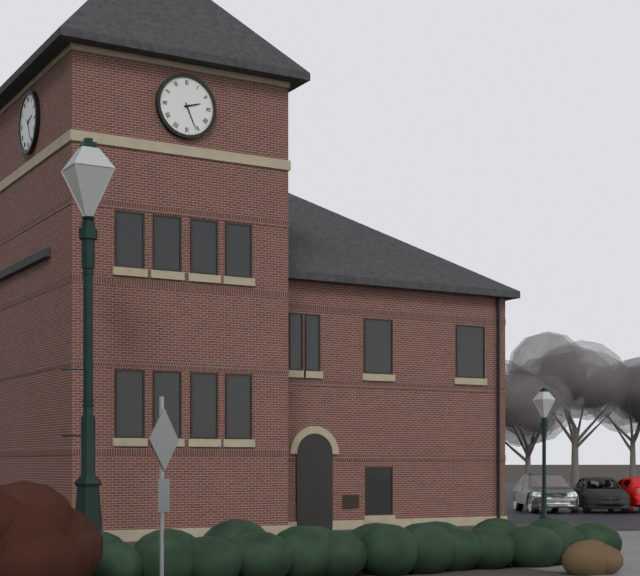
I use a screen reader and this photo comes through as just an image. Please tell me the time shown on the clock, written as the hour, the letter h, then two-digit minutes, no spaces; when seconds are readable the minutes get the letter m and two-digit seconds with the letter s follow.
2h26
